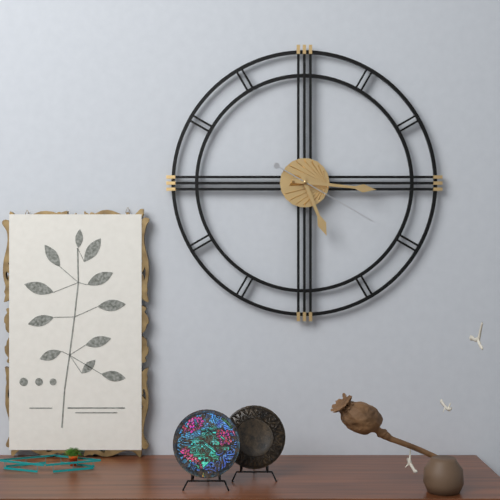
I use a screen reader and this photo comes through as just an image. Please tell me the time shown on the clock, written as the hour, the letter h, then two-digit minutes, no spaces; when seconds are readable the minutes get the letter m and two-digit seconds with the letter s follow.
5h16m20s
